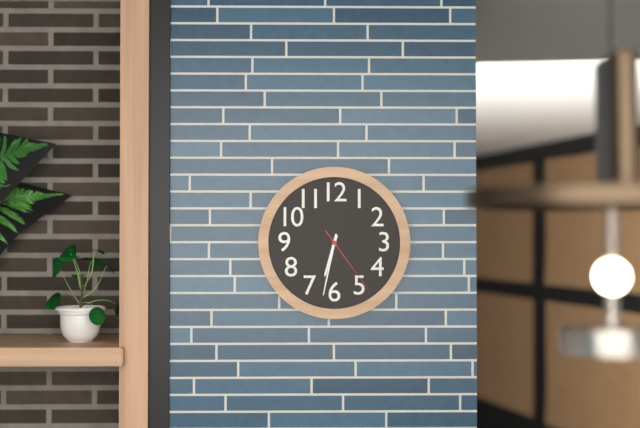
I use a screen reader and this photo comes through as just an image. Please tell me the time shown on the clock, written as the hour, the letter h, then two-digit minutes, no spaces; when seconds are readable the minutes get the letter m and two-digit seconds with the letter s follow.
6h32m24s
